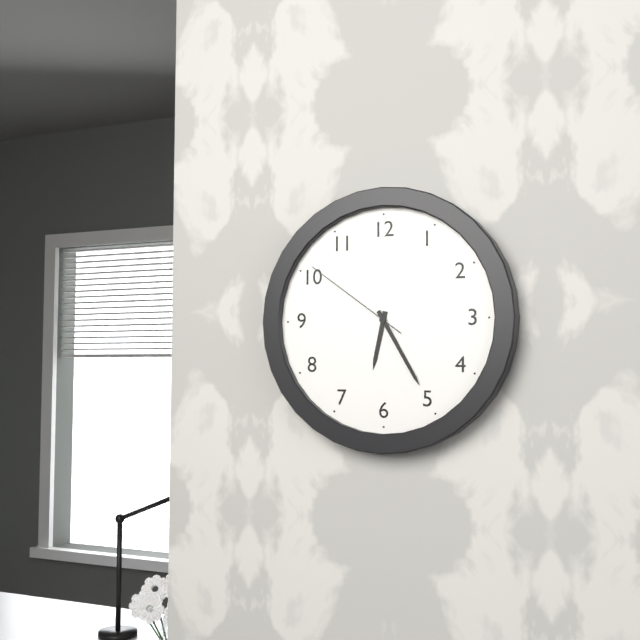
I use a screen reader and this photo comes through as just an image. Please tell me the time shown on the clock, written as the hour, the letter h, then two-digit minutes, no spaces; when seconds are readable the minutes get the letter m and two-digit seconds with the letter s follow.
6h25m51s
